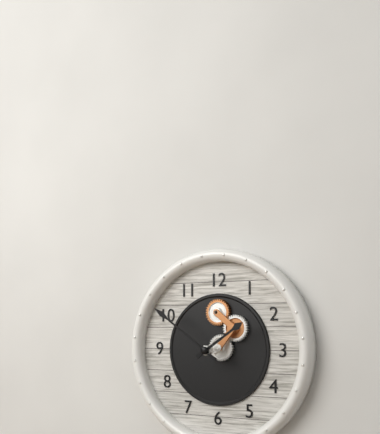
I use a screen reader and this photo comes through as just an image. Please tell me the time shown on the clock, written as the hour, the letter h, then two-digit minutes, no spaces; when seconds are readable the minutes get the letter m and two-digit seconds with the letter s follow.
1h51
